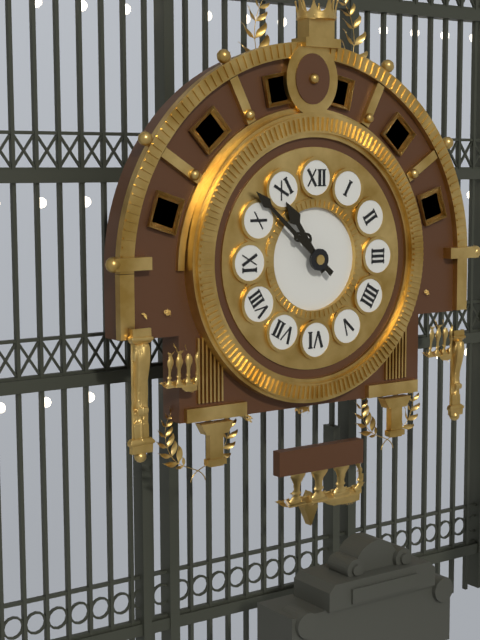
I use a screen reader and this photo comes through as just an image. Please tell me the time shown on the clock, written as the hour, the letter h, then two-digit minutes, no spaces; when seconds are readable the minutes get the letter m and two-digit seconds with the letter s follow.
10h52
